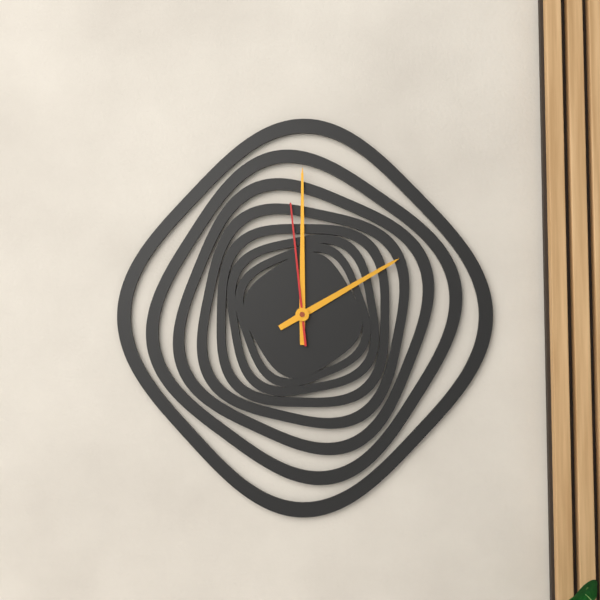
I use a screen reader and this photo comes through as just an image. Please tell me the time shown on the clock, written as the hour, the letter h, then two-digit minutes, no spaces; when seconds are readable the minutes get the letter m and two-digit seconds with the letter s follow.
2h00m59s
